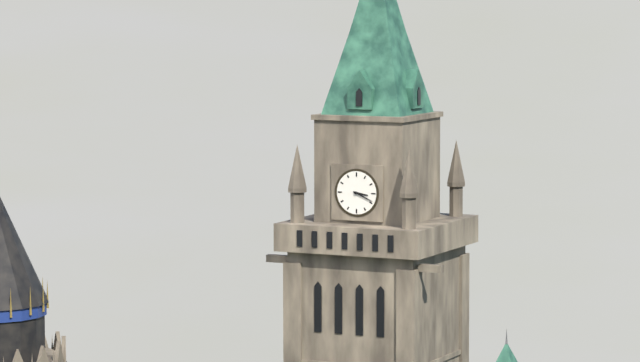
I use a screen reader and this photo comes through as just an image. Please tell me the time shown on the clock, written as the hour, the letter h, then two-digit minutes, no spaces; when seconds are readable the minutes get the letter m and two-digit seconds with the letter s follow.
3h19
